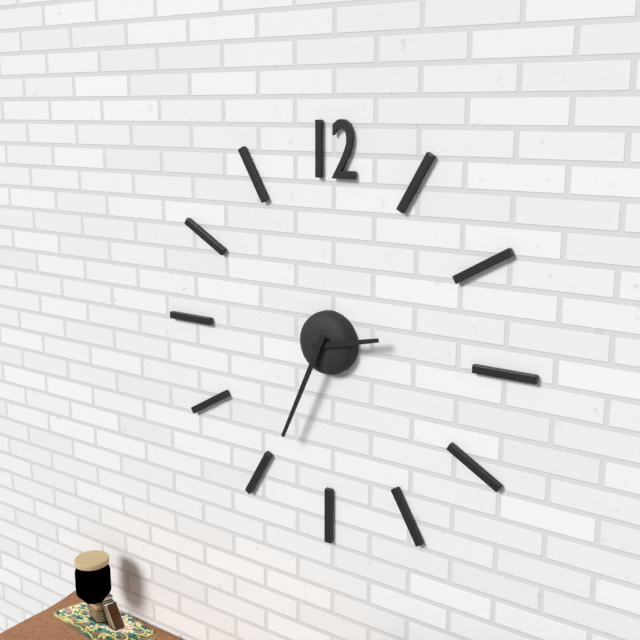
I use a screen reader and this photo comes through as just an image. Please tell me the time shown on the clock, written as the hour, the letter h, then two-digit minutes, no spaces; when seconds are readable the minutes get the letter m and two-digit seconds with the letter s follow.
2h34
